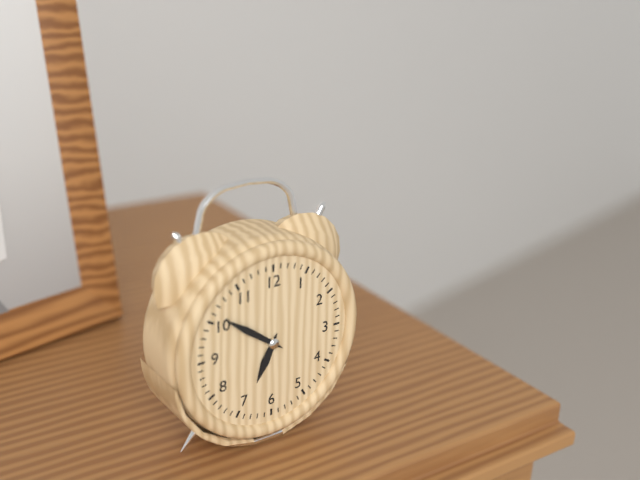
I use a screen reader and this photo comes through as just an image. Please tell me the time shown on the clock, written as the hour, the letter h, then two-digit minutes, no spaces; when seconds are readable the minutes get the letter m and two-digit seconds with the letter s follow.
6h51
